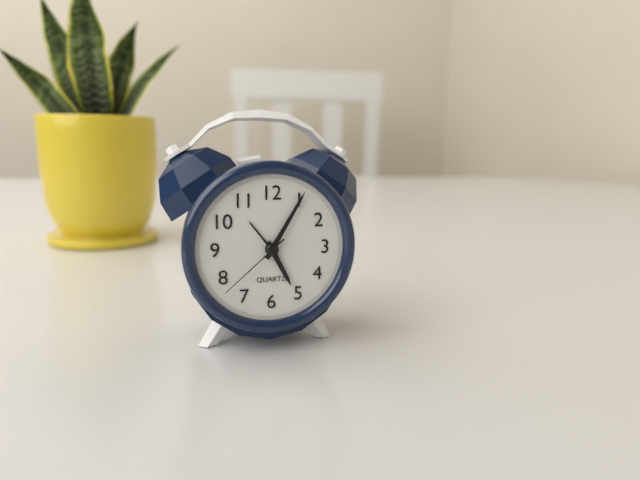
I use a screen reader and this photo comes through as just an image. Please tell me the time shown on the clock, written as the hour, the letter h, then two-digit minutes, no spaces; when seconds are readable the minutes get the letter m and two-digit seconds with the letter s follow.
5h05m38s
